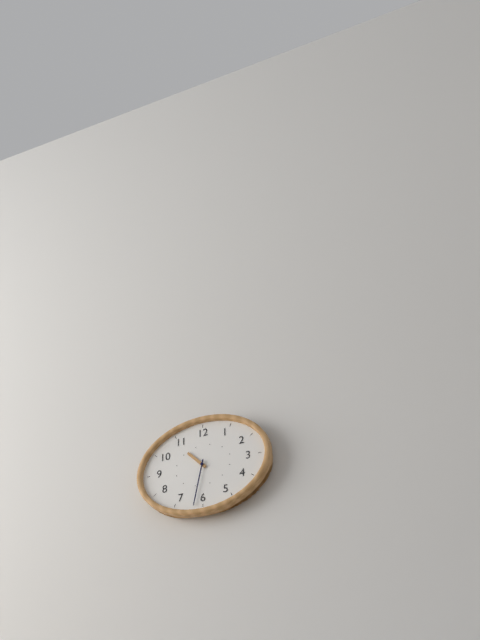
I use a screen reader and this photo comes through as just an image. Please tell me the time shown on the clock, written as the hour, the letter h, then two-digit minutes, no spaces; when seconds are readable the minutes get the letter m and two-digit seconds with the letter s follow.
10h32
